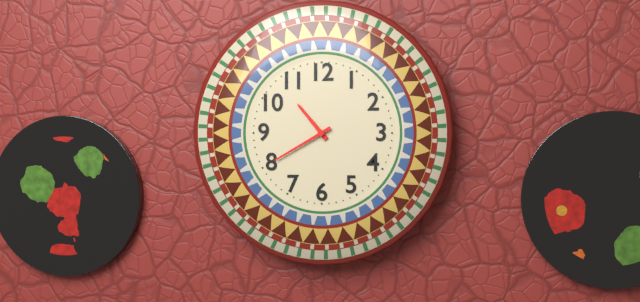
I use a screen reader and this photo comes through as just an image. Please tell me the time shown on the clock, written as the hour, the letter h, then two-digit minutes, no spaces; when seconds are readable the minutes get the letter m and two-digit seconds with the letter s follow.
10h40
